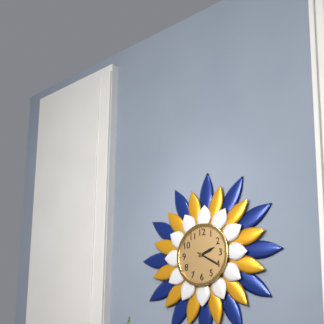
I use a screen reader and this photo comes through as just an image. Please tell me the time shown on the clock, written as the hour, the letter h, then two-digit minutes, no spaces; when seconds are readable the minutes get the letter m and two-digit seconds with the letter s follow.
2h20
